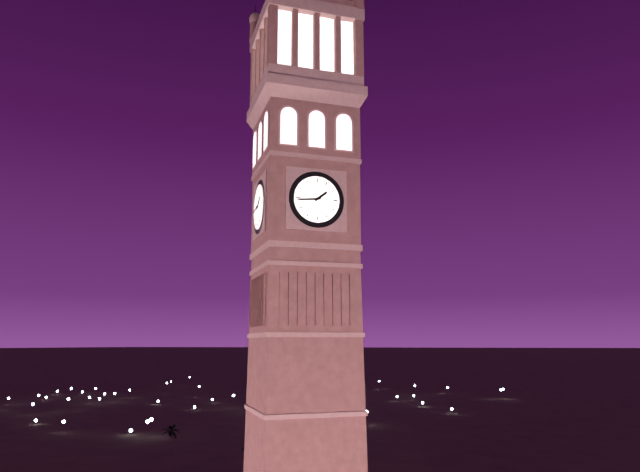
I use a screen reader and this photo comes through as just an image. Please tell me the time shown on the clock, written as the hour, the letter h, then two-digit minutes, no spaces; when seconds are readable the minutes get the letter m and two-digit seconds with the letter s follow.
1h44
